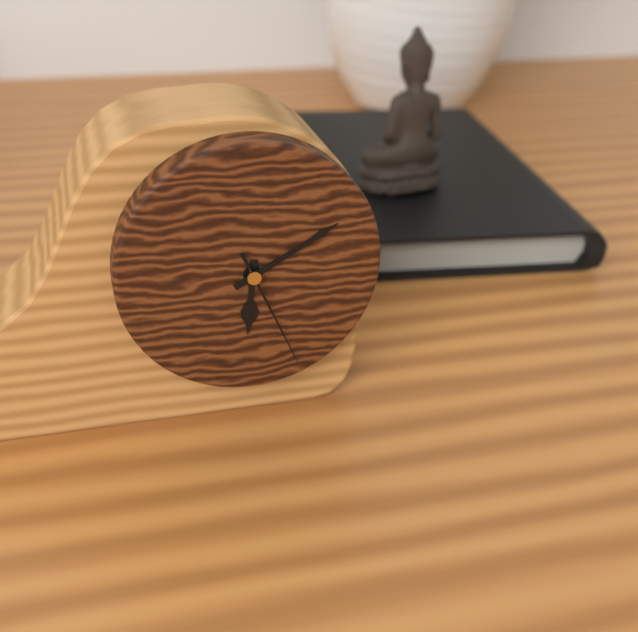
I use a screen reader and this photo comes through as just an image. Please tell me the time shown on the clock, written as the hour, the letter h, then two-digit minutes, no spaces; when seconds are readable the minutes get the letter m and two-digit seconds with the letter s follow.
6h10m26s
